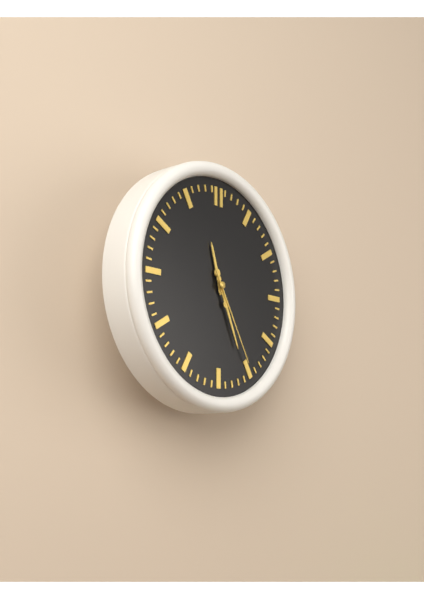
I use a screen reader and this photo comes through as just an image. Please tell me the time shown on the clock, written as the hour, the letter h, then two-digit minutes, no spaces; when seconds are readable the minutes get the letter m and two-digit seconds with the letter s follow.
11h26m25s
